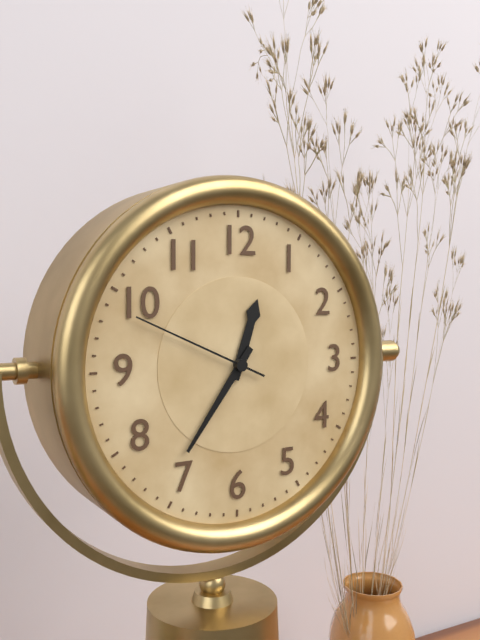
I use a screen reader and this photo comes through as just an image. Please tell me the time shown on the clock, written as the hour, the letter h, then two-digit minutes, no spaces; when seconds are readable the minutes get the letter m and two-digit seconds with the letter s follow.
12h36m49s
